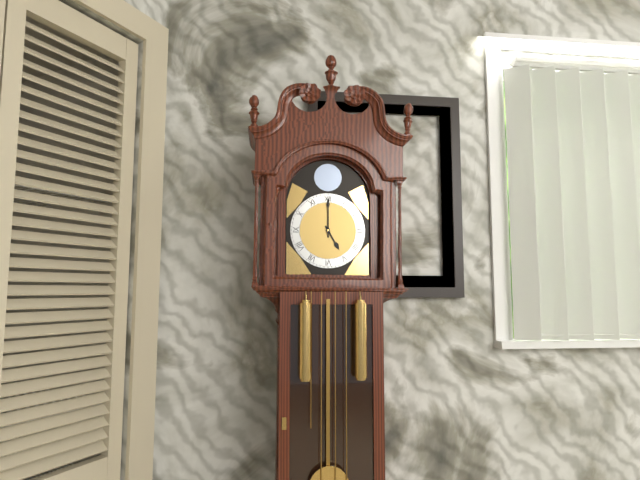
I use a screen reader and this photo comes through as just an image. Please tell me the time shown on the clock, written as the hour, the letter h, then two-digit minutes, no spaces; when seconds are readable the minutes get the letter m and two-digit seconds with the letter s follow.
5h00
